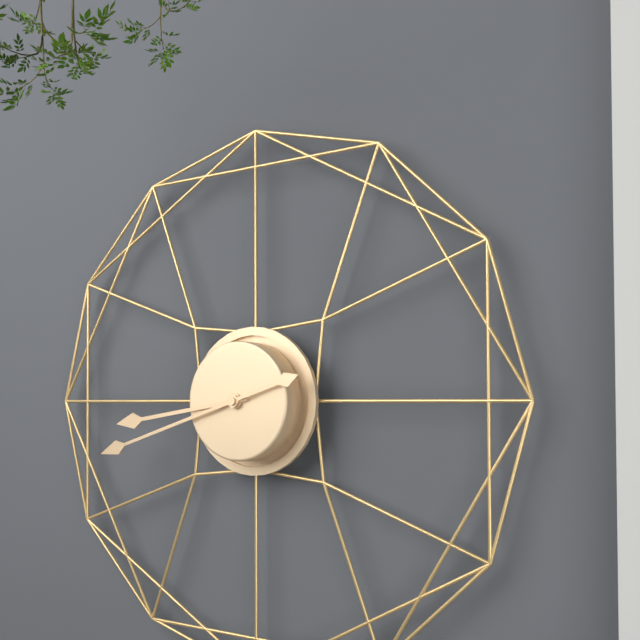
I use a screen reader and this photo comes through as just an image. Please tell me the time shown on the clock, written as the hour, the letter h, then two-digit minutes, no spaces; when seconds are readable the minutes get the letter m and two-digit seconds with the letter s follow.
8h42
